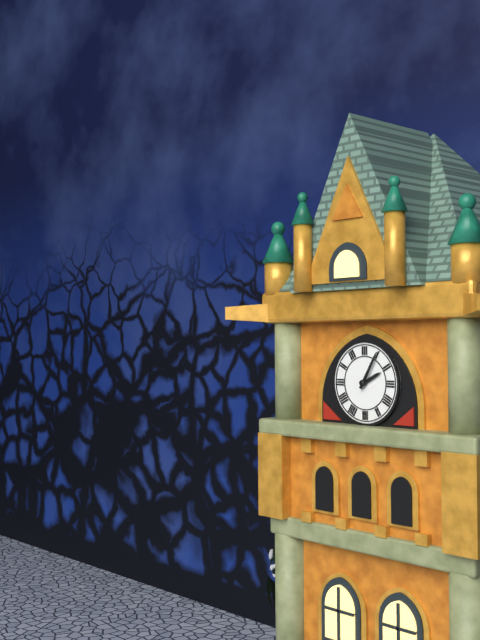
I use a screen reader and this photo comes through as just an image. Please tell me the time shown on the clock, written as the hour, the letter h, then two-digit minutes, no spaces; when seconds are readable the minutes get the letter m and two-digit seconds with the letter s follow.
2h05
